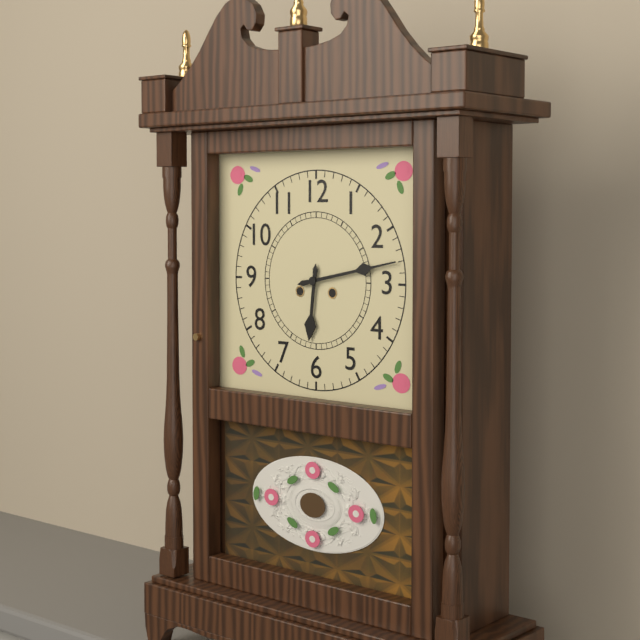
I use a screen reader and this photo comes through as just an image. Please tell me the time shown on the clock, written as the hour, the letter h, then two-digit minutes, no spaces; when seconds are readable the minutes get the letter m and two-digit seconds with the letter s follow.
6h13
